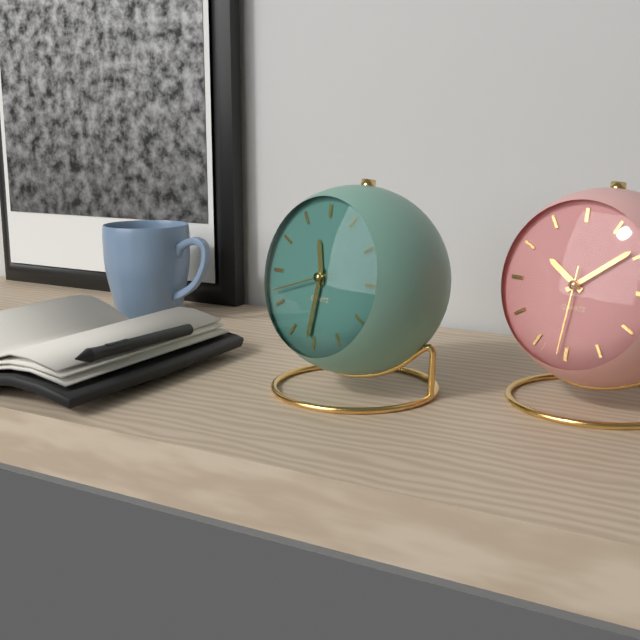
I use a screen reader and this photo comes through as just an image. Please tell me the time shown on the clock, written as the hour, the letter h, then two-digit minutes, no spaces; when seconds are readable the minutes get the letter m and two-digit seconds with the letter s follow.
11h31m42s
